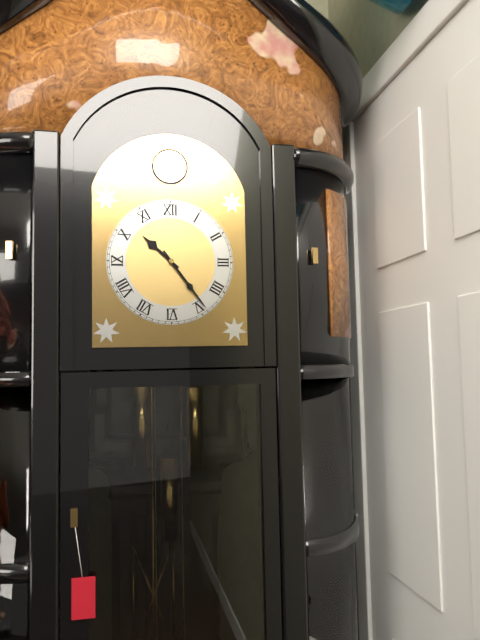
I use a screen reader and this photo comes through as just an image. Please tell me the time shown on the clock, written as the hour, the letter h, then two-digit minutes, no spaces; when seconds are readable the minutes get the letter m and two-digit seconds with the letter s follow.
10h24
